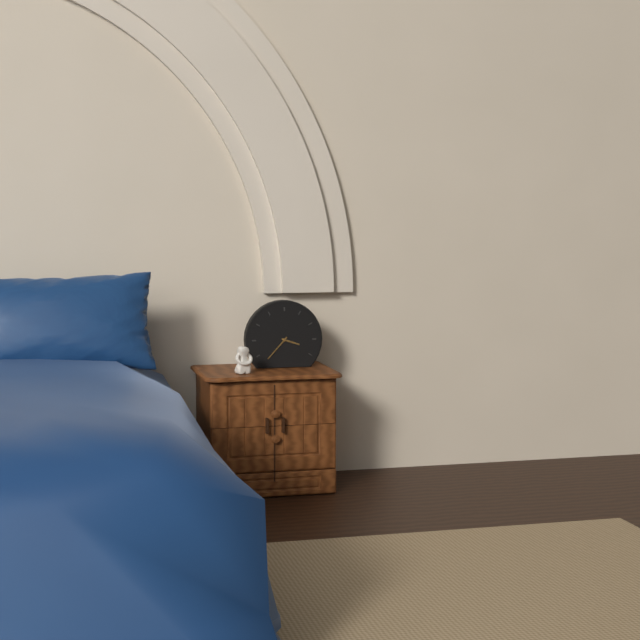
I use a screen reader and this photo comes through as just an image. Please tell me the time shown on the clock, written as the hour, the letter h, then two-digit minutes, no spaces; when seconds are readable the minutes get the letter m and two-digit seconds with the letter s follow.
3h37
